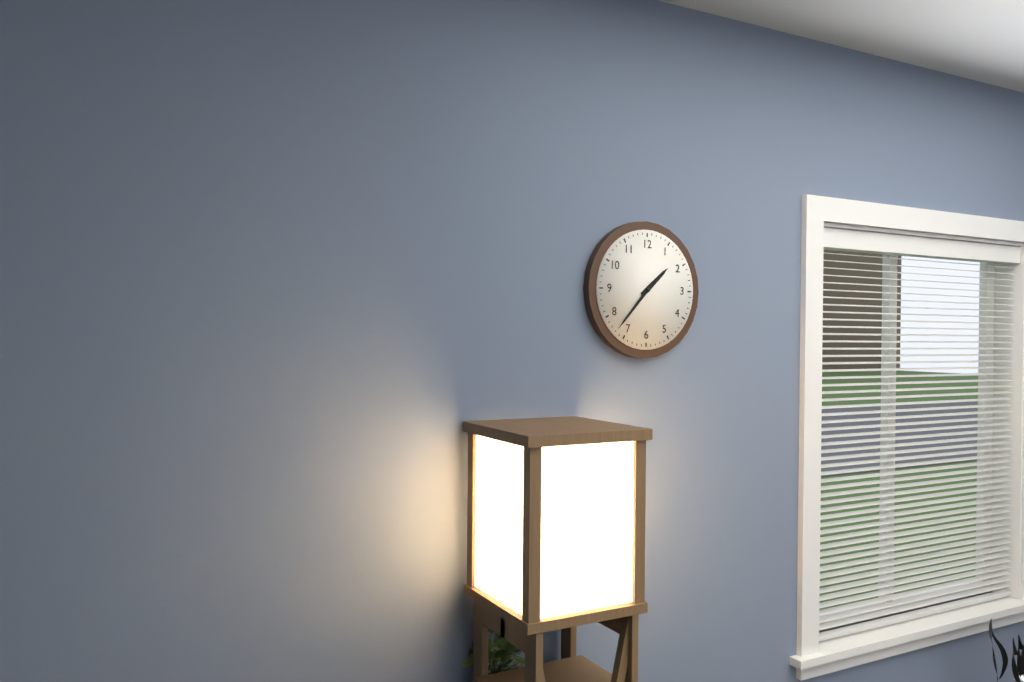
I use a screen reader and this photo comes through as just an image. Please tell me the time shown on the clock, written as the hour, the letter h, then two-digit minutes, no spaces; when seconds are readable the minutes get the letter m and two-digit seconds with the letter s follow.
1h37
